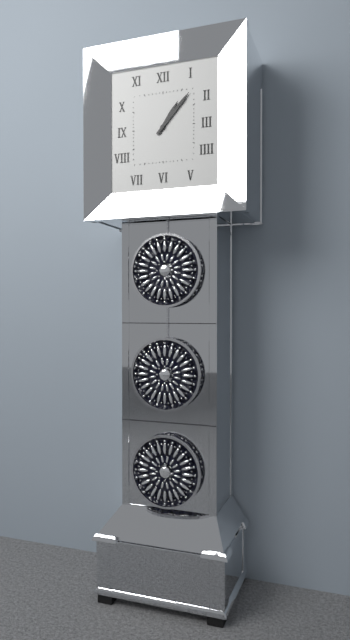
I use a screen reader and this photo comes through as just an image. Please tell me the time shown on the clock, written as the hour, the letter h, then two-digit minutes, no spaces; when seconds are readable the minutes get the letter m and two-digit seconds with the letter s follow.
1h07
